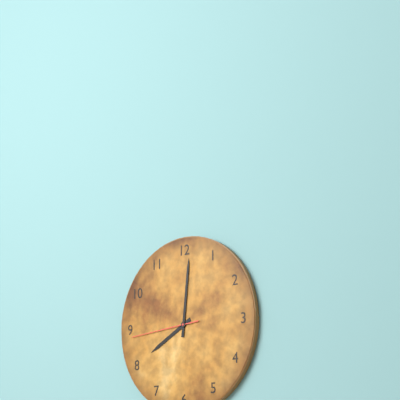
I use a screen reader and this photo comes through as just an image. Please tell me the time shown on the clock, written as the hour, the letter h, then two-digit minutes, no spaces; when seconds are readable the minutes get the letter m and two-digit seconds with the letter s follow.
8h01m44s
